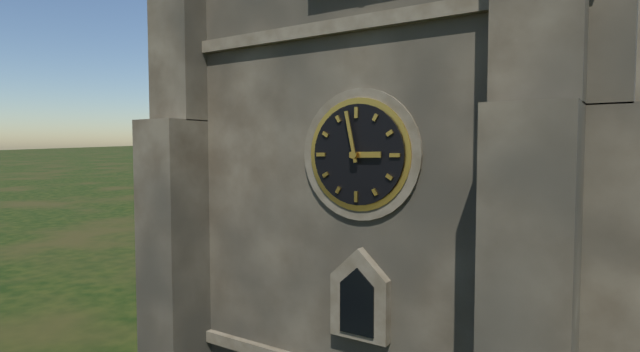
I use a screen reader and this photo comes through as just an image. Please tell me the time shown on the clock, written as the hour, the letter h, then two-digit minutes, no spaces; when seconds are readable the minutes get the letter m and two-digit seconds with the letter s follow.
2h58
